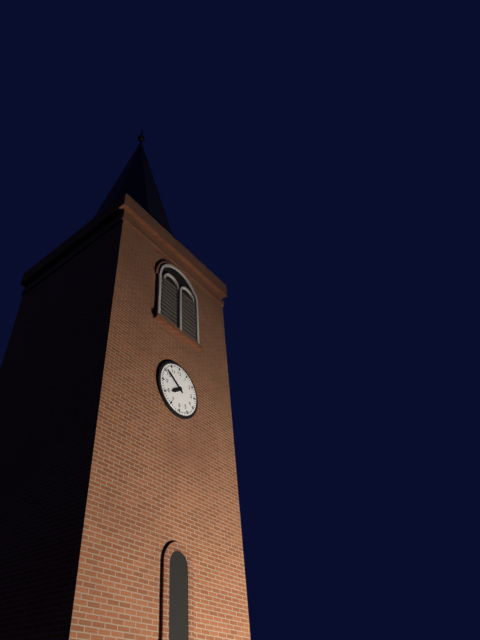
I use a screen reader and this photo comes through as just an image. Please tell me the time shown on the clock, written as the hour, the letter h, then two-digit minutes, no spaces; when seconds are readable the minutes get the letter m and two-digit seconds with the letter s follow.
7h51
